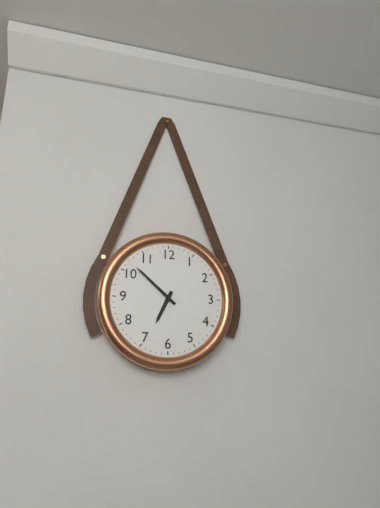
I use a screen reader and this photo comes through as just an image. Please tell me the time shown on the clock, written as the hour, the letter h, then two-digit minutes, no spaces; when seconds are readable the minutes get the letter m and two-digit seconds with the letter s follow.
6h52
